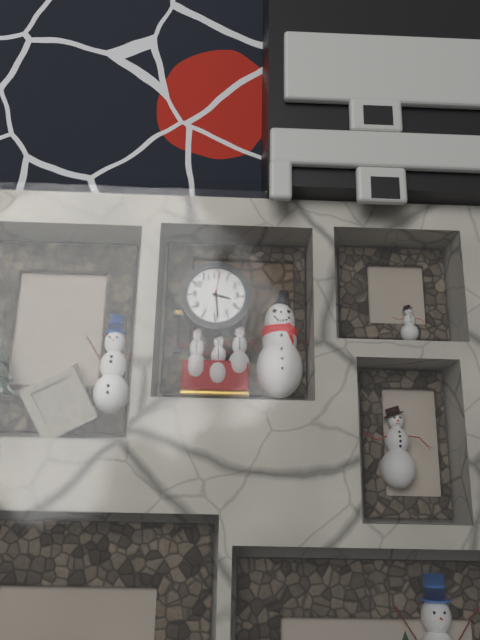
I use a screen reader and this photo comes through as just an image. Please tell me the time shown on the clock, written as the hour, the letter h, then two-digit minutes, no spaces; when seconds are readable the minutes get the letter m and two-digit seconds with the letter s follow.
3h29
